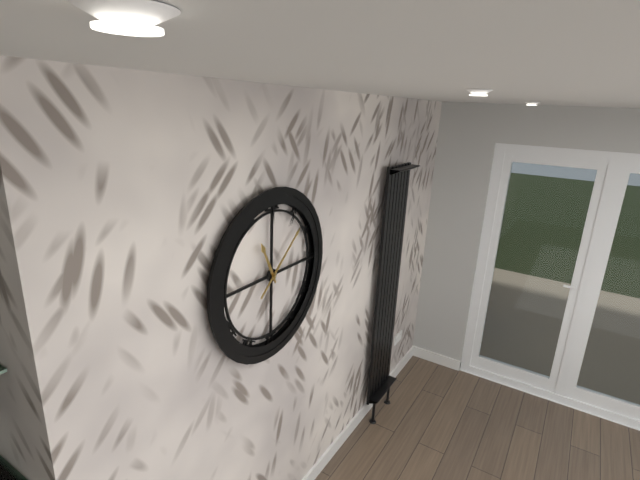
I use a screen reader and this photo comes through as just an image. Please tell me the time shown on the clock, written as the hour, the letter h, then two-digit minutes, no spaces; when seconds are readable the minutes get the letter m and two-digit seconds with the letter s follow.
11h08
